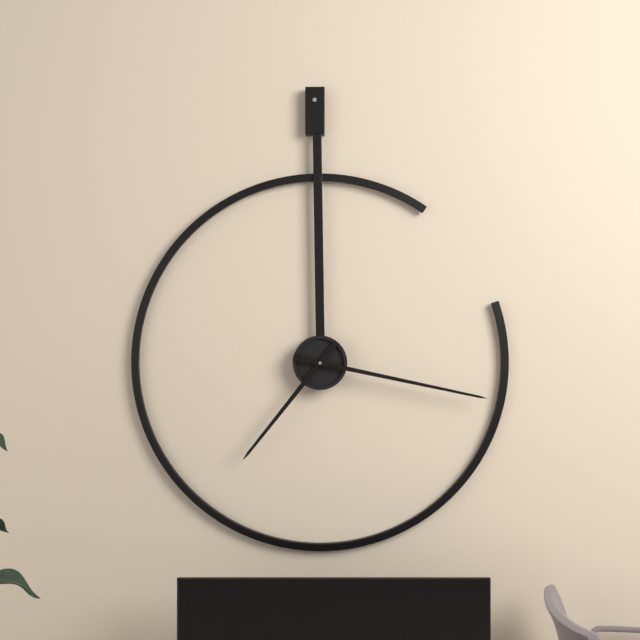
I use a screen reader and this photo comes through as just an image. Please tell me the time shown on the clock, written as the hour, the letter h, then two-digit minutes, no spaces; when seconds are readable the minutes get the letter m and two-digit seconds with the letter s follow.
7h17
